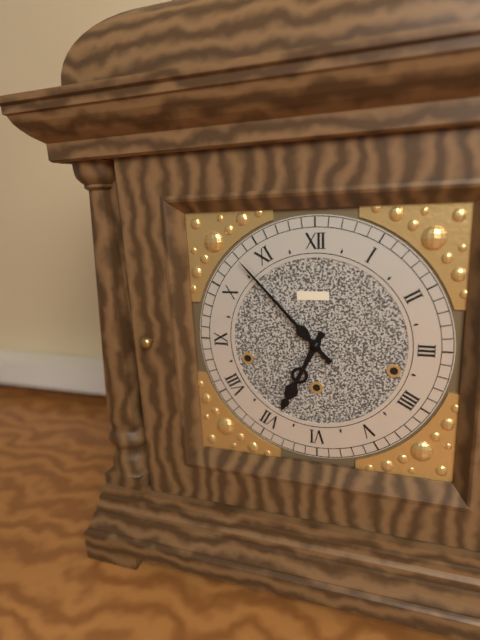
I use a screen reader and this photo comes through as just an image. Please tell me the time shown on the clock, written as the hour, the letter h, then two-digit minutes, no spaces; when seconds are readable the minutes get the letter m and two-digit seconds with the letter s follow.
6h53
